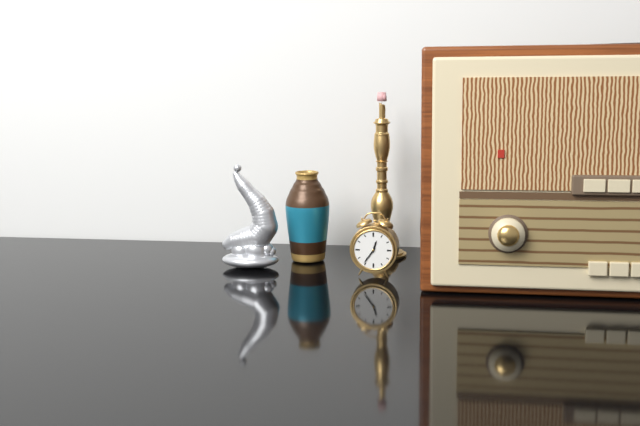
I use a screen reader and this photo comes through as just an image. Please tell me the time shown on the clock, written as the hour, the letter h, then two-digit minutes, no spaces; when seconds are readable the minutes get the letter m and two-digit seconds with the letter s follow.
12h36
